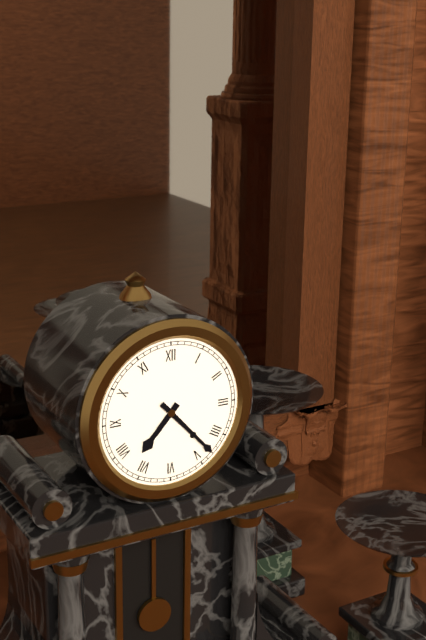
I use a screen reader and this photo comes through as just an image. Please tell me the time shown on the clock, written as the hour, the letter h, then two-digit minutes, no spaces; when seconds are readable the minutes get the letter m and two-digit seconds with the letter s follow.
7h23
